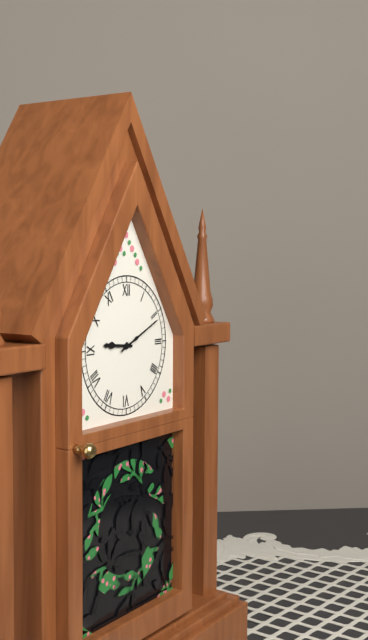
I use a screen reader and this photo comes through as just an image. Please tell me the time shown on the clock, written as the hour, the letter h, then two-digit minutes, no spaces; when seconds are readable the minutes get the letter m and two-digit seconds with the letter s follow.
9h11
